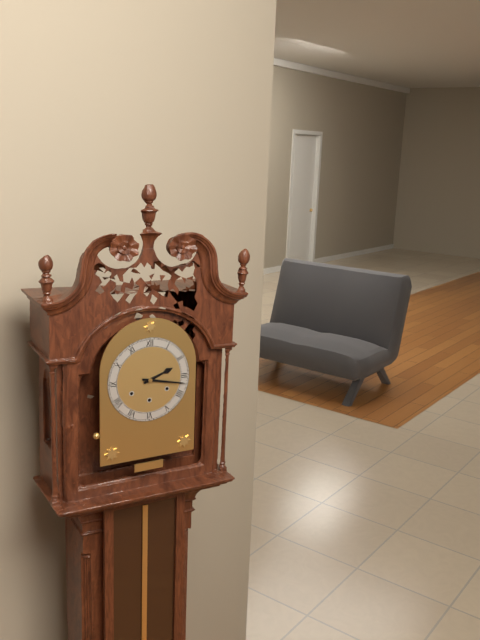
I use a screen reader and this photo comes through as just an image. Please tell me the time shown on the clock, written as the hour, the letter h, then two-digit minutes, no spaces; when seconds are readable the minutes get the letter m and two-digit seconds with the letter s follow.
2h17
